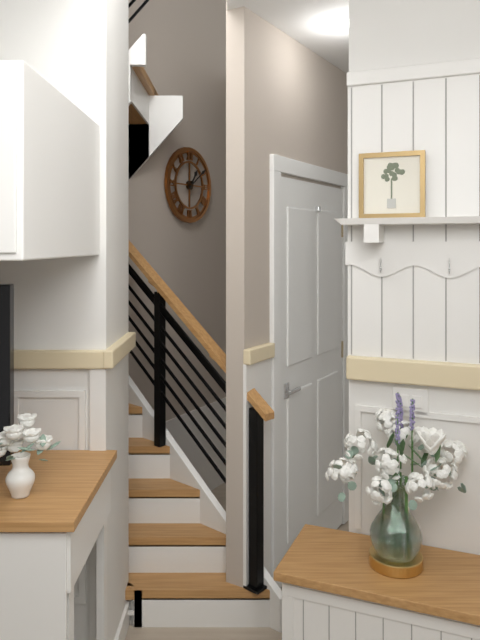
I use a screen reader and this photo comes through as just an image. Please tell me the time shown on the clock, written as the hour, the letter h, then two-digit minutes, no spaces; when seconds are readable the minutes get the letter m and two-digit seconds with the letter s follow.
1h09
